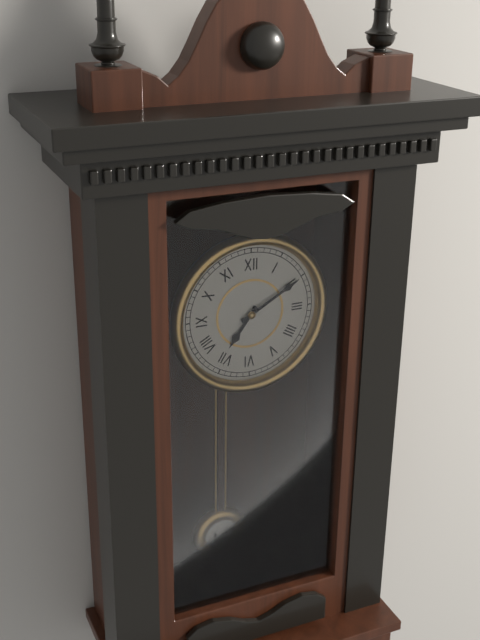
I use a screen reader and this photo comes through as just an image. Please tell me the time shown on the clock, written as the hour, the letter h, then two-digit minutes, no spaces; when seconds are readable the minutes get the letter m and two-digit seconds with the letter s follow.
7h10
